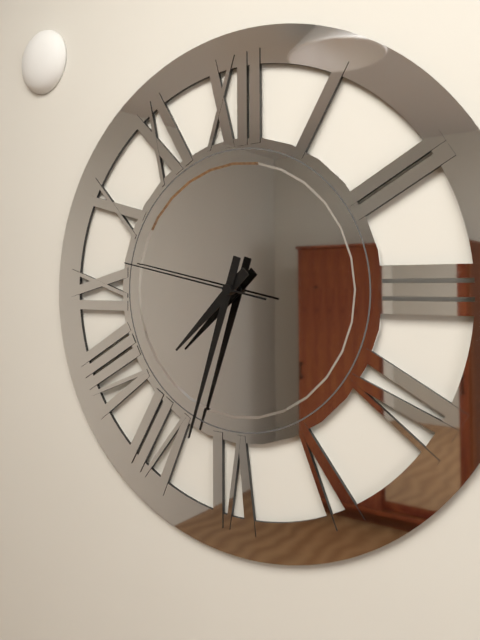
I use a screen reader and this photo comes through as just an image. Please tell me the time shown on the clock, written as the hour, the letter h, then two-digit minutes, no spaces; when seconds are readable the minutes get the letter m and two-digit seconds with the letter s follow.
7h33m47s
